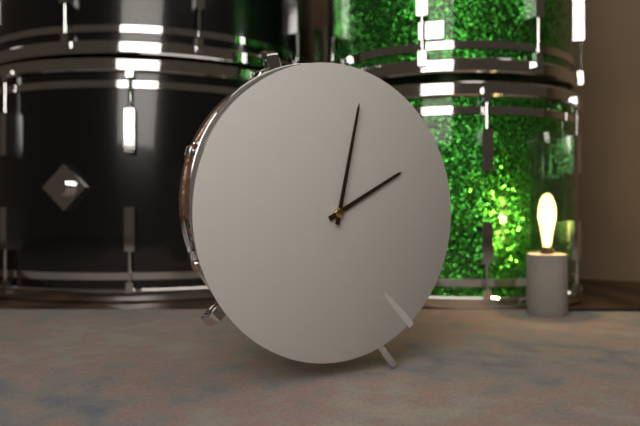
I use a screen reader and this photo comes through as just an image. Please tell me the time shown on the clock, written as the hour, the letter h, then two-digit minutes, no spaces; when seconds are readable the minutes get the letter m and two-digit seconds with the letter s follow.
2h02
